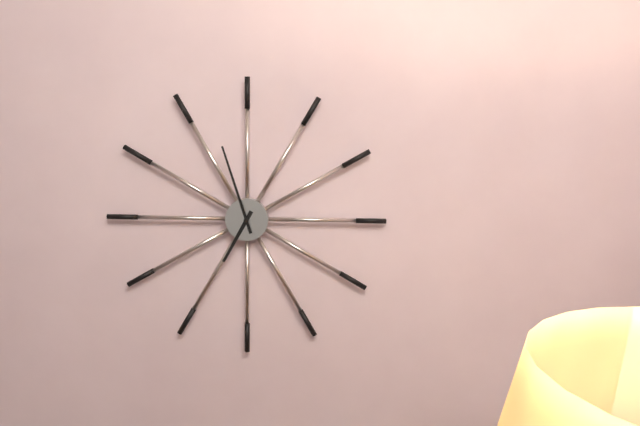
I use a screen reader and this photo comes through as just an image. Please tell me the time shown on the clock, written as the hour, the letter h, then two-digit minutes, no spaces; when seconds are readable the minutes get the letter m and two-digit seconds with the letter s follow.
6h57
